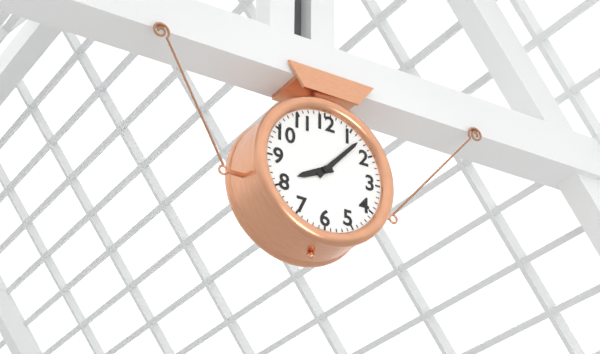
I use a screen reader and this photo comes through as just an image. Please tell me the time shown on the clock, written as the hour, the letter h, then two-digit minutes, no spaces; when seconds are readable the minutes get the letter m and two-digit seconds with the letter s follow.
8h07
